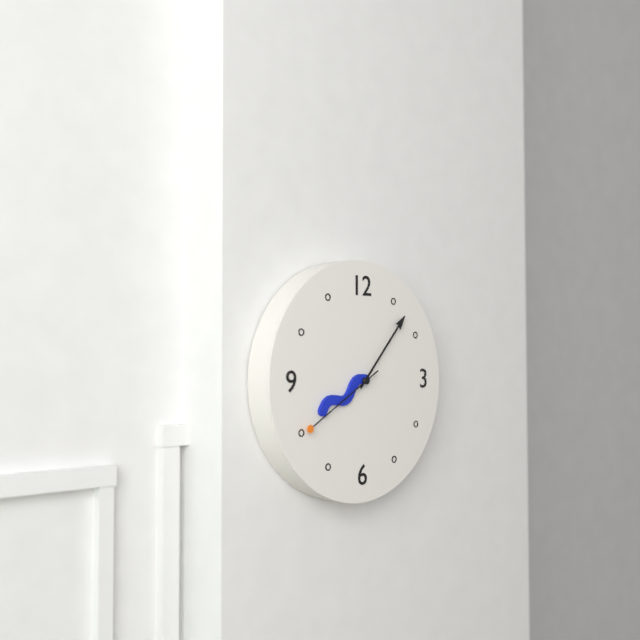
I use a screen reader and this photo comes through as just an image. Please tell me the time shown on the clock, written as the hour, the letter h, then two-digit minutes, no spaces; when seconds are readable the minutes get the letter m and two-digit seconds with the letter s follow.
8h07m40s
